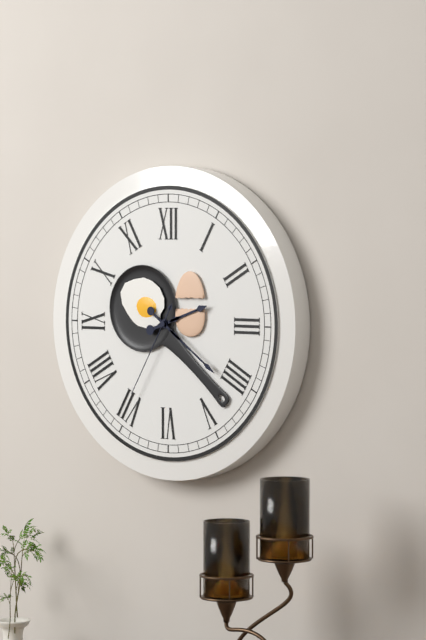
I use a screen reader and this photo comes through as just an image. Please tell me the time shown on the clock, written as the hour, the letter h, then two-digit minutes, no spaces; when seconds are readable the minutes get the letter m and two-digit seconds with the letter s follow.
2h21m35s
